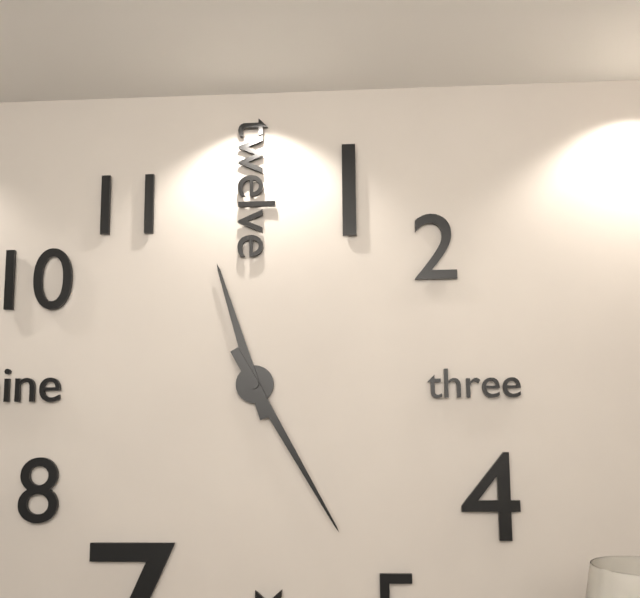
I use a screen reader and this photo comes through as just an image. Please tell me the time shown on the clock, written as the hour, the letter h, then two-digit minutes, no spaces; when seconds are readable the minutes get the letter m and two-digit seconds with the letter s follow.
11h25
